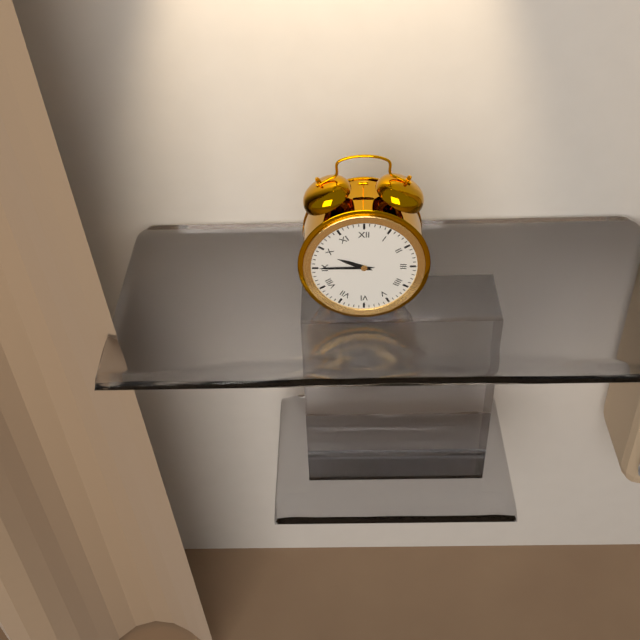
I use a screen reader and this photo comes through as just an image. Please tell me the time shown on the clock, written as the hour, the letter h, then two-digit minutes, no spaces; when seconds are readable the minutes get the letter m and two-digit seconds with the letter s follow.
9h45
